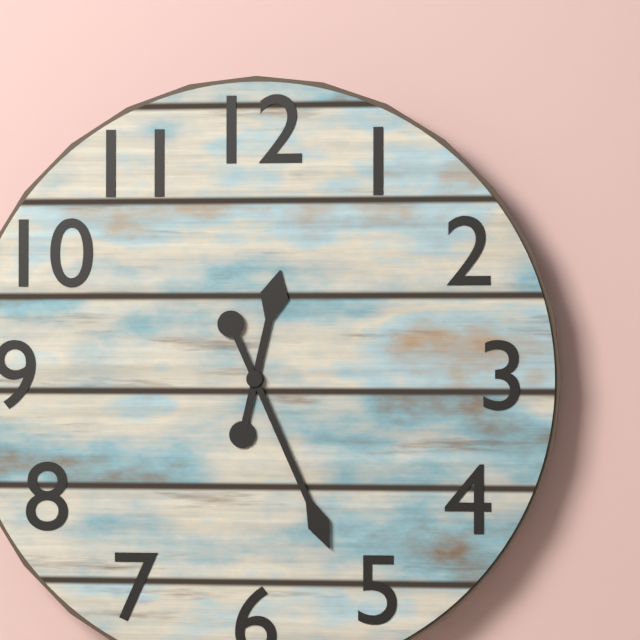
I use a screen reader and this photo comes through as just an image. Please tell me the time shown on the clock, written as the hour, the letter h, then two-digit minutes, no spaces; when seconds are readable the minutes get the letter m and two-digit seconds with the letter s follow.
12h26
